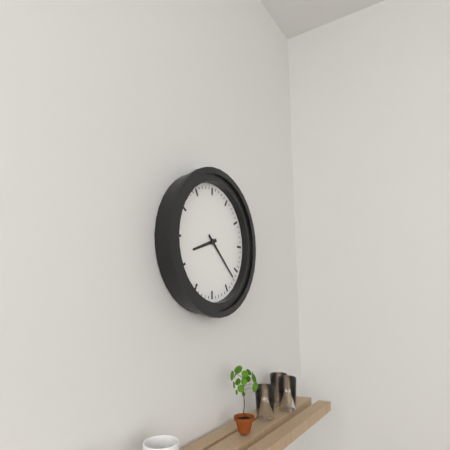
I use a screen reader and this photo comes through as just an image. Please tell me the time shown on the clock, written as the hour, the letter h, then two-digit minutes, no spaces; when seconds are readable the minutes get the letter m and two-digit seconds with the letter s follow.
8h22
